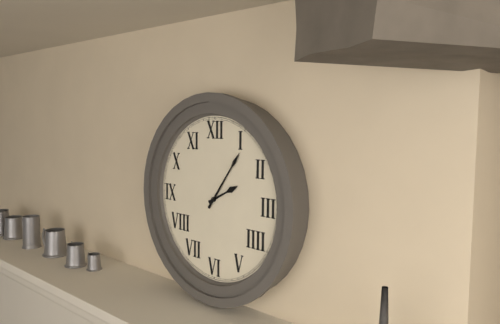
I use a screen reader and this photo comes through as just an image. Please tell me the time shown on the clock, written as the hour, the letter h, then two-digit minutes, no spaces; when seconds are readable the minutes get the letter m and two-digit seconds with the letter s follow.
2h06
